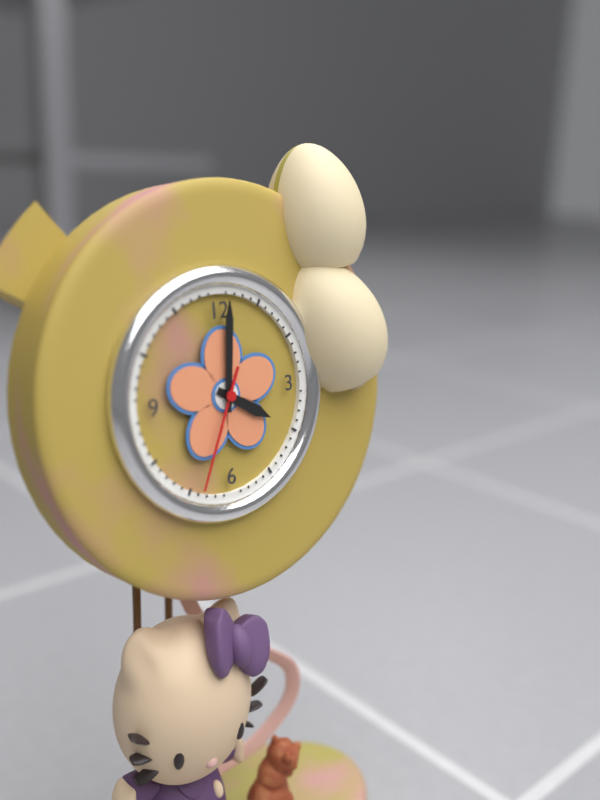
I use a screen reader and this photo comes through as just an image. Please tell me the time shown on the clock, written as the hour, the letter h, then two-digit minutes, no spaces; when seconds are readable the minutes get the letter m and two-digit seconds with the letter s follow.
4h01m34s
